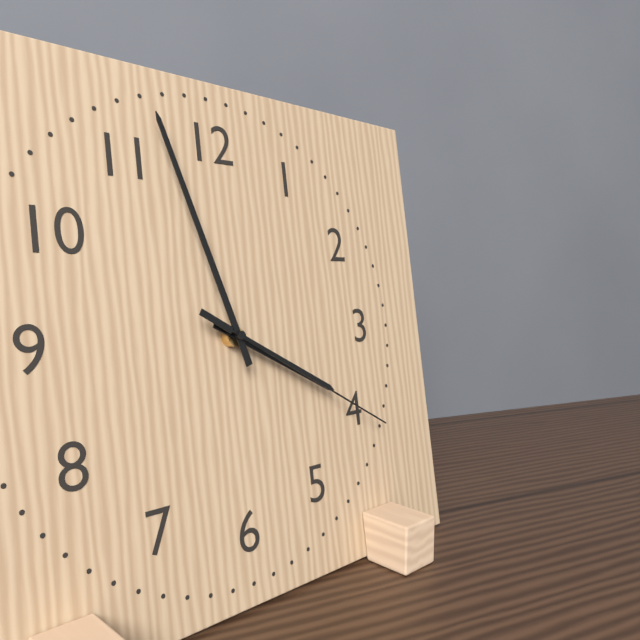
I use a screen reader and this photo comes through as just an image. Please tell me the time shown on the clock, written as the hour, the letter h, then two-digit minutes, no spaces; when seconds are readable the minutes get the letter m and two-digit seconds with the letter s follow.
3h57m20s
